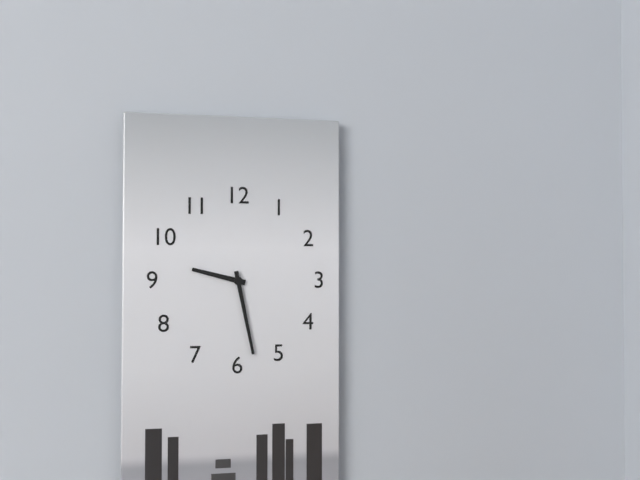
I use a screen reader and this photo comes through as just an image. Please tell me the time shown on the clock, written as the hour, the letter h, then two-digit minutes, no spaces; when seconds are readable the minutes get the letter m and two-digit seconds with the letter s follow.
9h28
